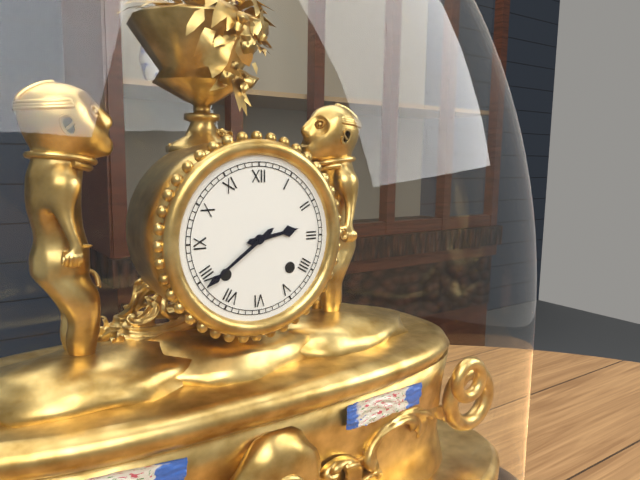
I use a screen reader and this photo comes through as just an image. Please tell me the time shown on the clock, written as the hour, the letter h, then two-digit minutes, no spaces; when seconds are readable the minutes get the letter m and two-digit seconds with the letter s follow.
2h39
